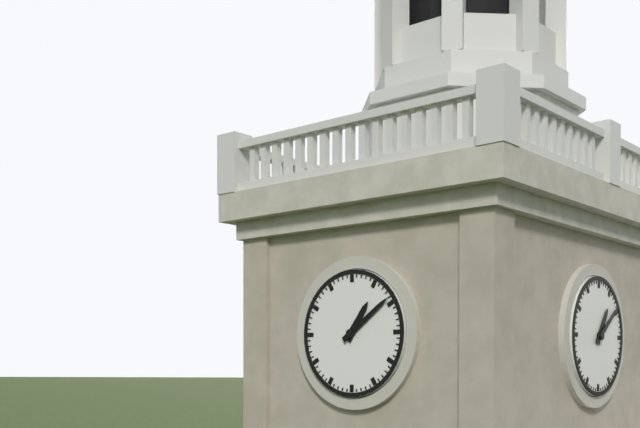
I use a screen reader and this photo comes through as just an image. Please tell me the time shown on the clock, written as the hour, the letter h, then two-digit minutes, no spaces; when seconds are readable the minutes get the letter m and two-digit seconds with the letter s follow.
1h09
